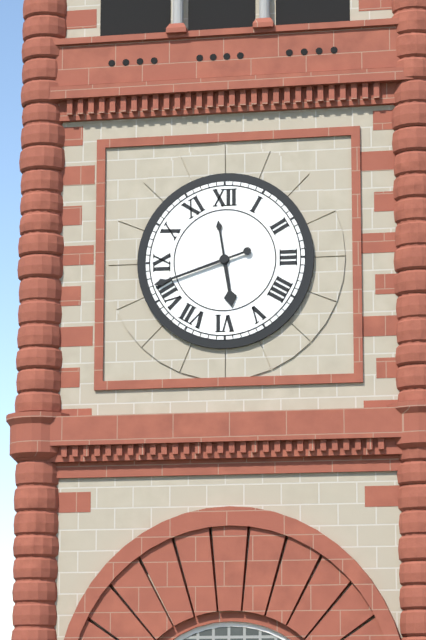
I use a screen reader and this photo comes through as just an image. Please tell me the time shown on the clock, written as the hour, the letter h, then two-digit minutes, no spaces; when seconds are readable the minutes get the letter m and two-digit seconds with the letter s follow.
5h42
